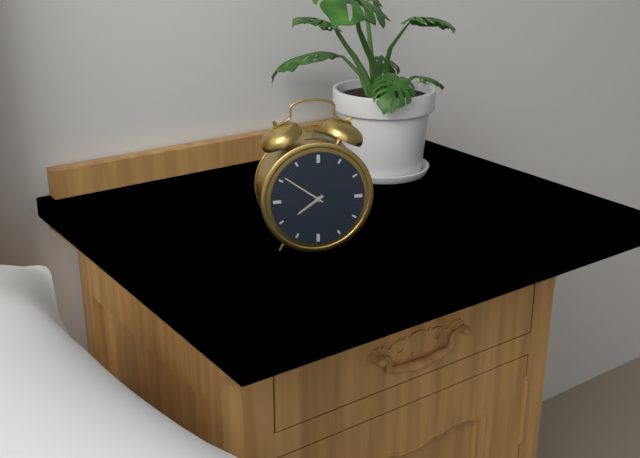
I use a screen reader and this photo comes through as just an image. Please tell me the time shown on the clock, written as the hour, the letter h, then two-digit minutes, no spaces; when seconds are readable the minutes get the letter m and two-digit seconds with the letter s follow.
7h51
